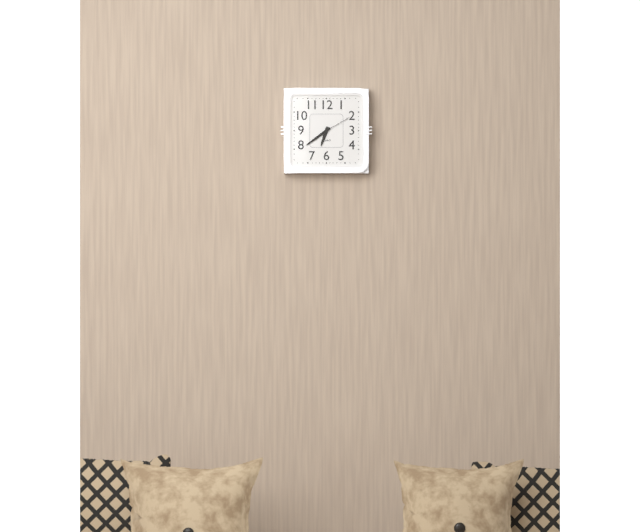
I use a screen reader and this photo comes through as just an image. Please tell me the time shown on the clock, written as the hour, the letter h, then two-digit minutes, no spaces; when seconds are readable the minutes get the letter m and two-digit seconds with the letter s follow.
6h39
